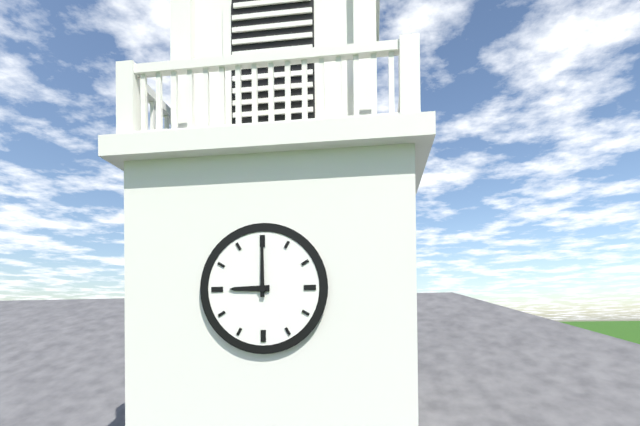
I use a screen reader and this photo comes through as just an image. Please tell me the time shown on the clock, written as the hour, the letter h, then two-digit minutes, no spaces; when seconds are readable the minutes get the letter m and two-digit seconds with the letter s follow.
9h00
